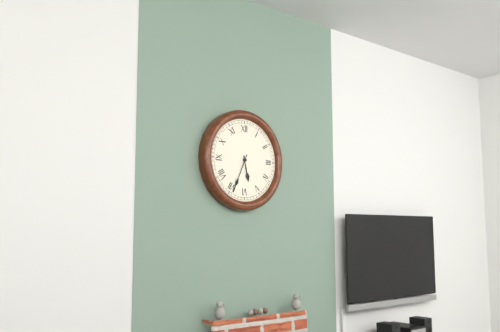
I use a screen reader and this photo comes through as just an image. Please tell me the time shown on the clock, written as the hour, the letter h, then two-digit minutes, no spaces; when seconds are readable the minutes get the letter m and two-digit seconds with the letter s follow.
5h34
